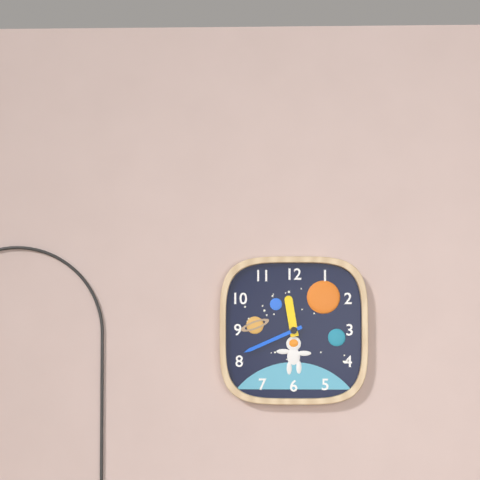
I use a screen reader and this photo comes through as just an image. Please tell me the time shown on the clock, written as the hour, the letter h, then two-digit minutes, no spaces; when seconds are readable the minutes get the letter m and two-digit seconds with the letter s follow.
11h41
